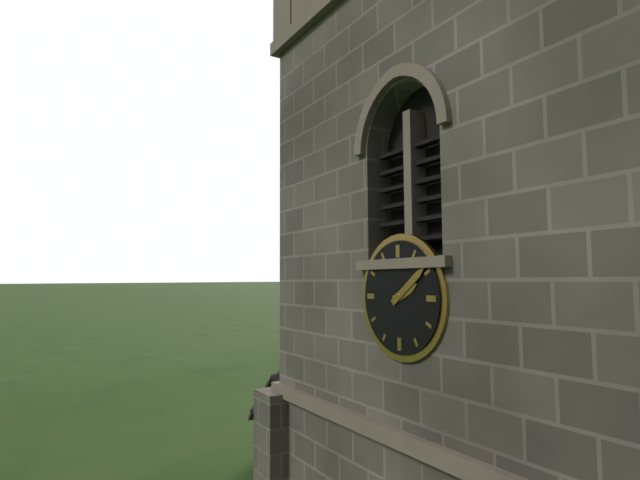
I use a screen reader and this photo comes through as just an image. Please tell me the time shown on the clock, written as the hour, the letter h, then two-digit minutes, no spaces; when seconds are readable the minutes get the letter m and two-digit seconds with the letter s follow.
2h09
